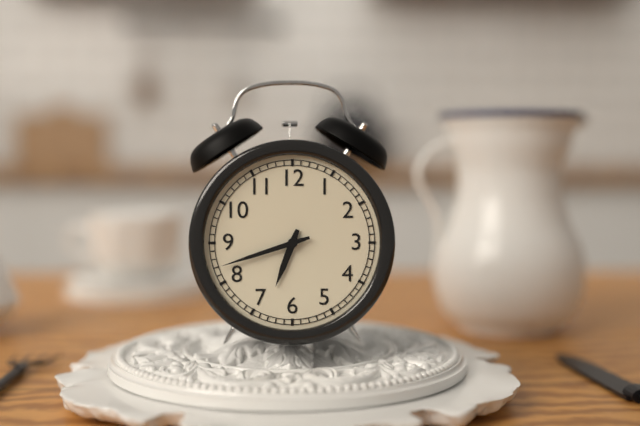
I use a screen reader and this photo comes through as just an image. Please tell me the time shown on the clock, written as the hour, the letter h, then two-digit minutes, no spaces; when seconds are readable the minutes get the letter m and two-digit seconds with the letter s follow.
6h42
